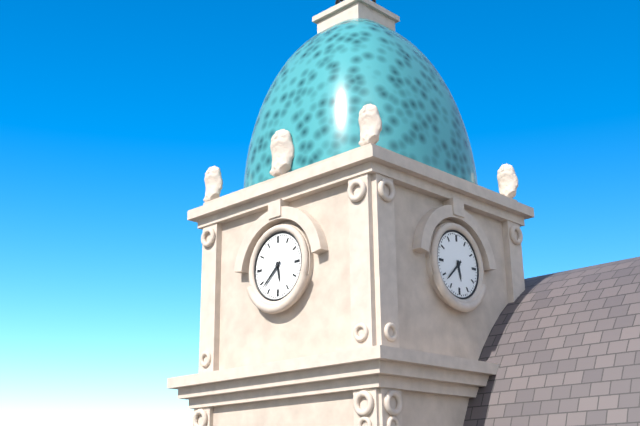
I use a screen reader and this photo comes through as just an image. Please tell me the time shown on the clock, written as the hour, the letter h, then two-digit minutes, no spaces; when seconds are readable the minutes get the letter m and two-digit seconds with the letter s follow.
5h38
